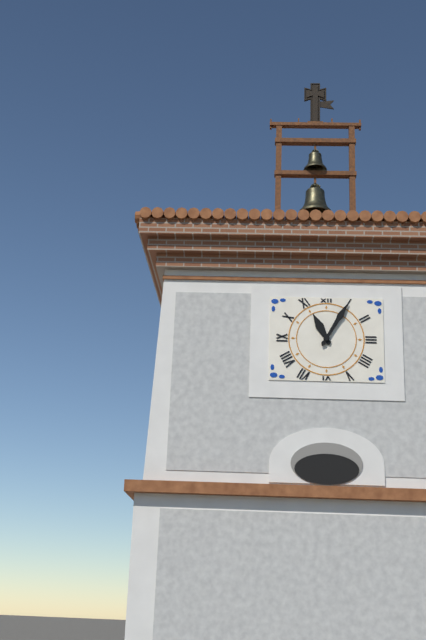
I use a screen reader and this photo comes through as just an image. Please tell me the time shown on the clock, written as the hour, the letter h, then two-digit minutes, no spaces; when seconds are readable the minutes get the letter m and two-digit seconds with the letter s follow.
11h05
